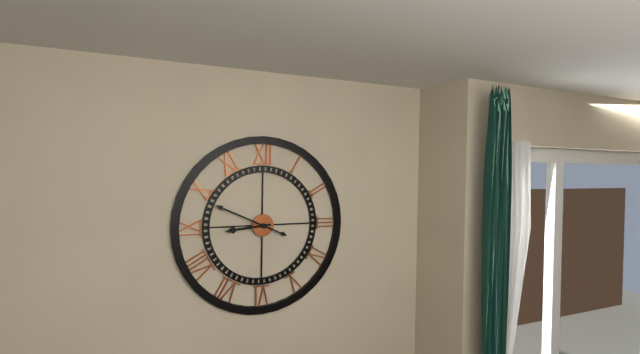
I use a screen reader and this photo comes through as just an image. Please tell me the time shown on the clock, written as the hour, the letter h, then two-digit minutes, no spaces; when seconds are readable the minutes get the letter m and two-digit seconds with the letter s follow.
8h49
